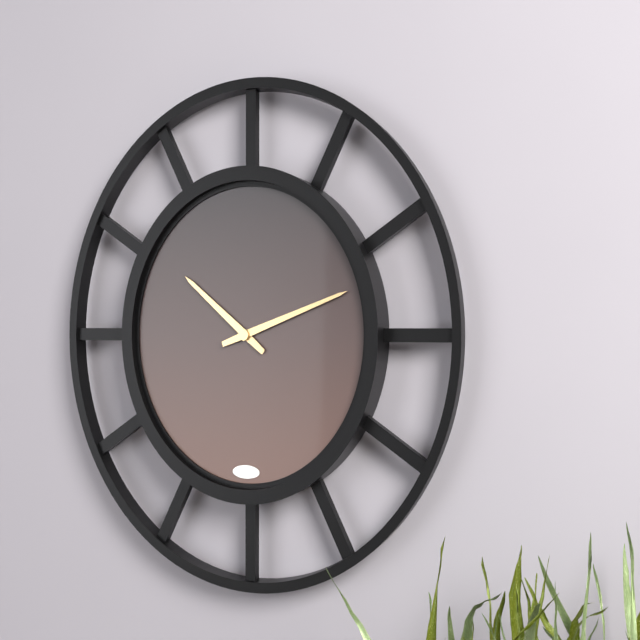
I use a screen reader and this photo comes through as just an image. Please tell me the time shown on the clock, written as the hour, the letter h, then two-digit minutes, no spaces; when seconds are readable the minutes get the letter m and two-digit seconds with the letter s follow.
10h12
